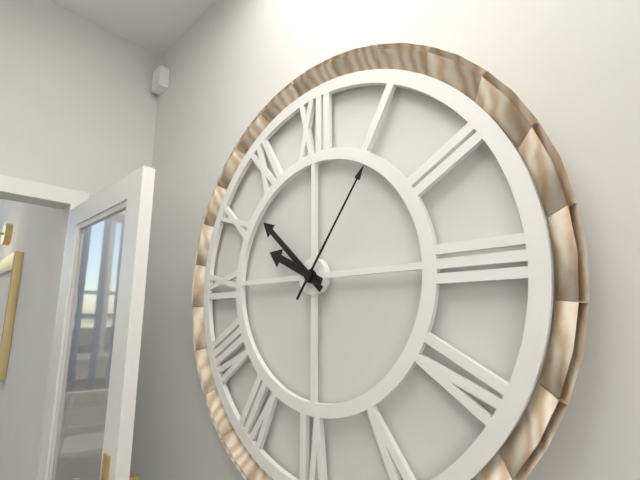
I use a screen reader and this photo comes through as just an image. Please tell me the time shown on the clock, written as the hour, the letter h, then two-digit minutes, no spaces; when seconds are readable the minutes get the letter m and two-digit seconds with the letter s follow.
9h52m06s
